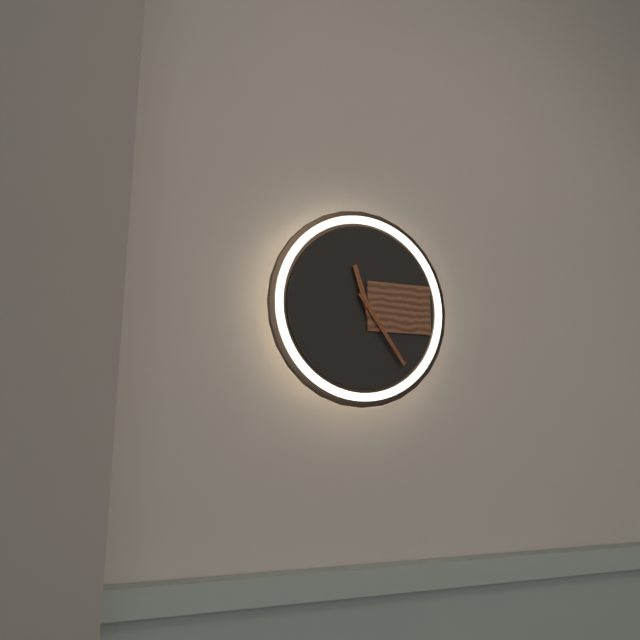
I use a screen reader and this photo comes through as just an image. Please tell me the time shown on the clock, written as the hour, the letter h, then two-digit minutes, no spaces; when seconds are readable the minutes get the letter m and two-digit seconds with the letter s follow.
11h24
